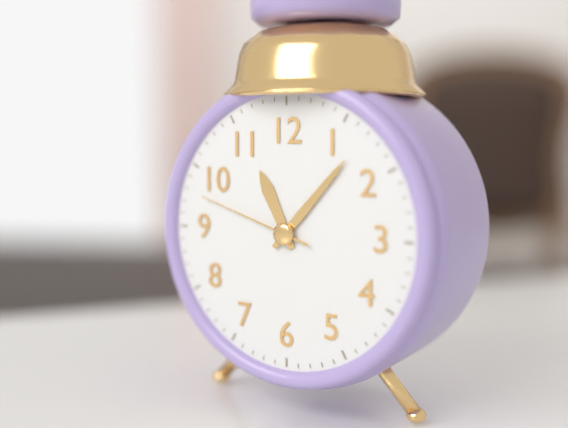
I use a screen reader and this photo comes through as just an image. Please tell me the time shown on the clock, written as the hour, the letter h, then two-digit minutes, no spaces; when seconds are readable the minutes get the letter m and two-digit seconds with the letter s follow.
11h07m48s
